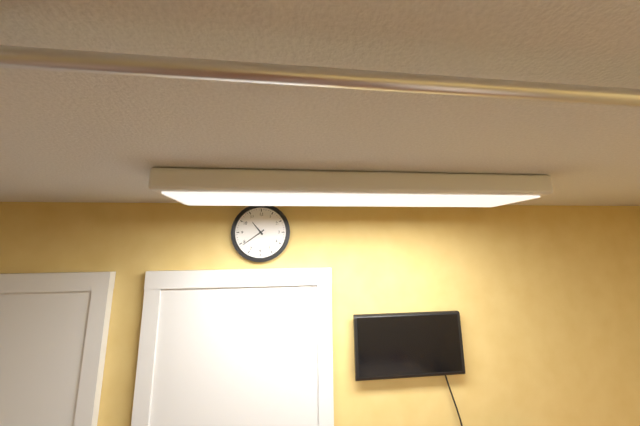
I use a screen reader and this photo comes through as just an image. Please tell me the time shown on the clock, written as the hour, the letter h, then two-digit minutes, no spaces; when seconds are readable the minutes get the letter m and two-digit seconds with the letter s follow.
10h39
